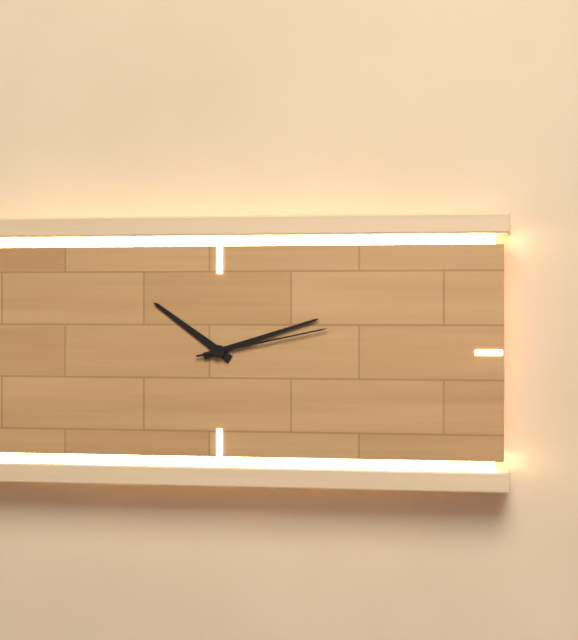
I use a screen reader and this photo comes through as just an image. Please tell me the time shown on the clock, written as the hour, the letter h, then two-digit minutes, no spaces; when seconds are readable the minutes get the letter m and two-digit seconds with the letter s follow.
10h12m13s
